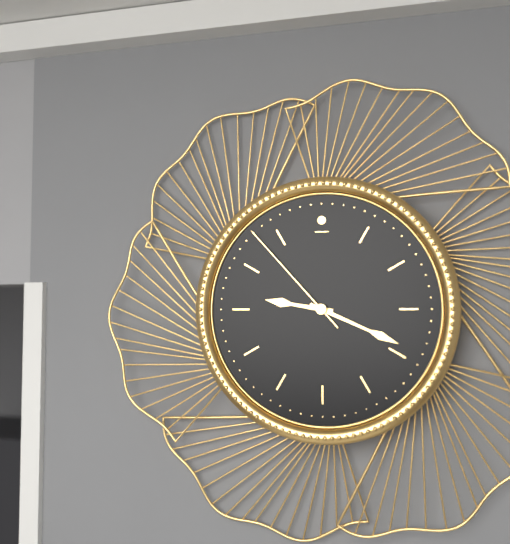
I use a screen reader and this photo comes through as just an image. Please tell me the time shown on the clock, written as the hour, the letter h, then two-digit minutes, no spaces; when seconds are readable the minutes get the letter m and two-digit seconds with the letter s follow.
9h19m53s
